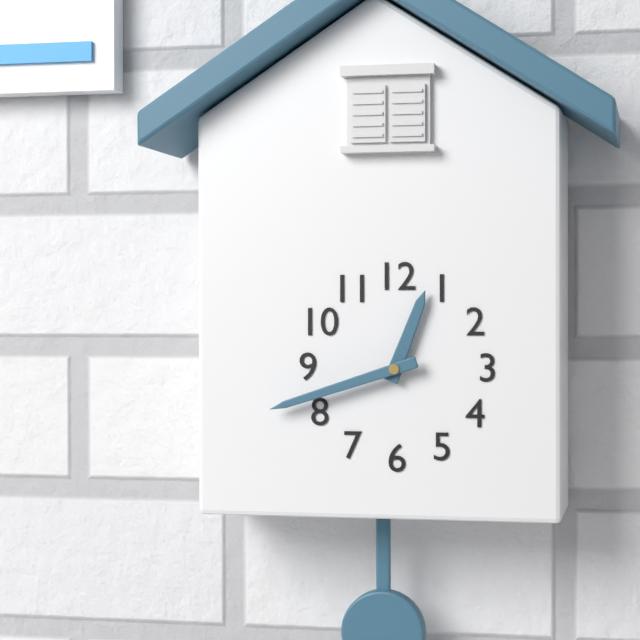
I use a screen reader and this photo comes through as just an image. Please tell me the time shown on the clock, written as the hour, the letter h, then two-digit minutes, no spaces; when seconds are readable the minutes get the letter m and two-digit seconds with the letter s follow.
12h42
